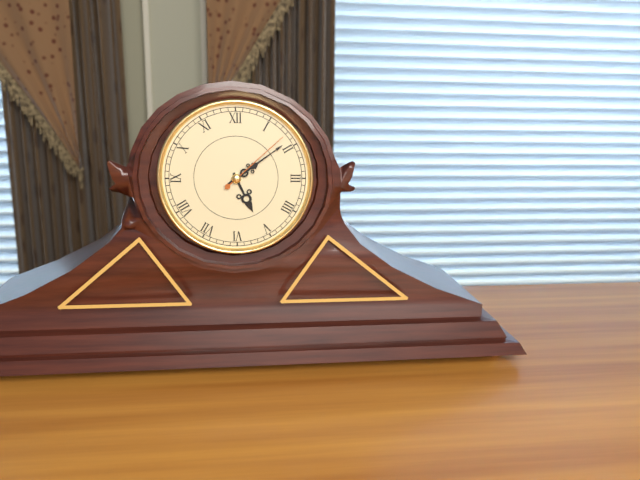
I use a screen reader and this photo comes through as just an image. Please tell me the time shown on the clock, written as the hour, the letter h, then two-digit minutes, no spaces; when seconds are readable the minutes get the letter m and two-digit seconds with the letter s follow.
5h09m08s
